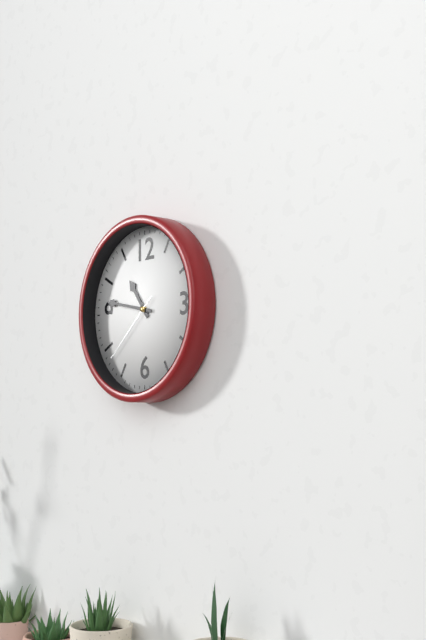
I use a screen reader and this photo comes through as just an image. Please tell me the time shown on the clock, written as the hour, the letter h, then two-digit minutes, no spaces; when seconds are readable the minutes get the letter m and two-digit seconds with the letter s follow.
10h47m38s
